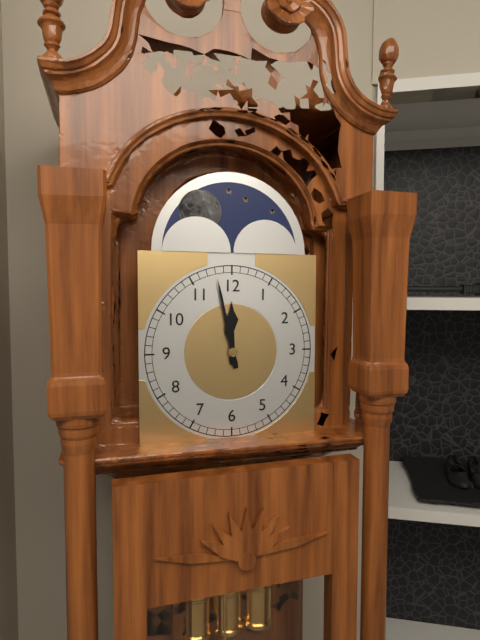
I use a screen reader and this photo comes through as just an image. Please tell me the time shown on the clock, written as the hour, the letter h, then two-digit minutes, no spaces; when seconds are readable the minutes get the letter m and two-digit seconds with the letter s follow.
11h58
